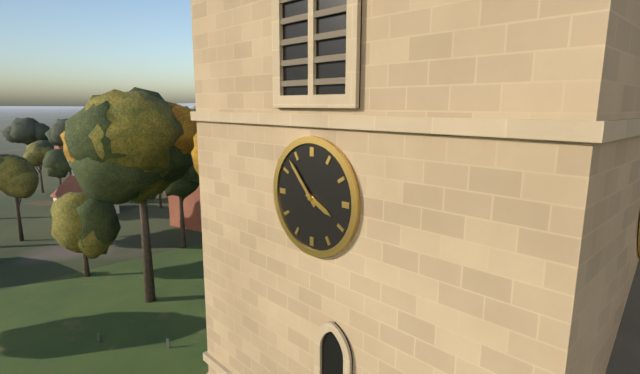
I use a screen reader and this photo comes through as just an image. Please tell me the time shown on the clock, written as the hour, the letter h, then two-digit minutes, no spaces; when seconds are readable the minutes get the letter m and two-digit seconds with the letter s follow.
3h53
